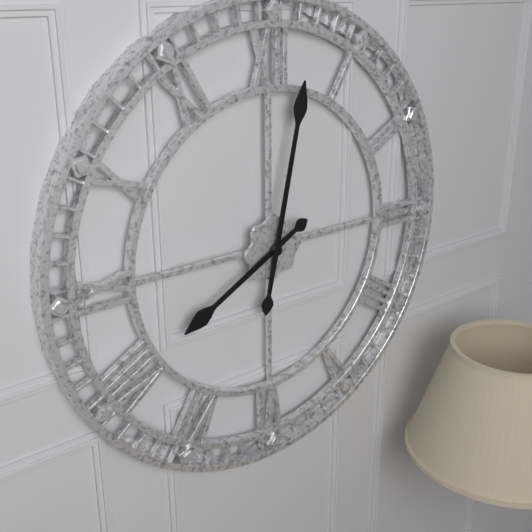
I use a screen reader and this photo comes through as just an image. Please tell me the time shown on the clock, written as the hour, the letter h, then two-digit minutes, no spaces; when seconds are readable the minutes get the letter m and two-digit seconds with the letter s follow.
8h02
